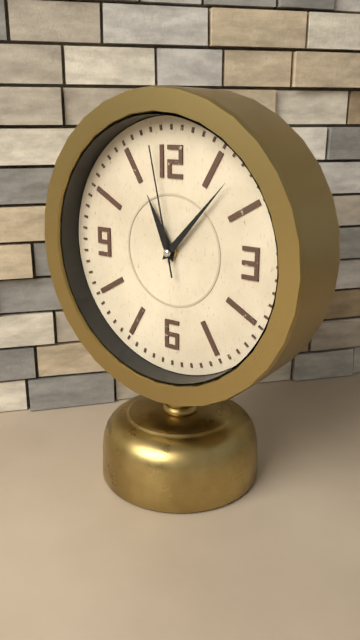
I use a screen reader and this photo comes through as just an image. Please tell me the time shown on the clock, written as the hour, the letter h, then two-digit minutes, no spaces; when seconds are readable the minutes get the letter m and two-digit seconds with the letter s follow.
11h07m58s
